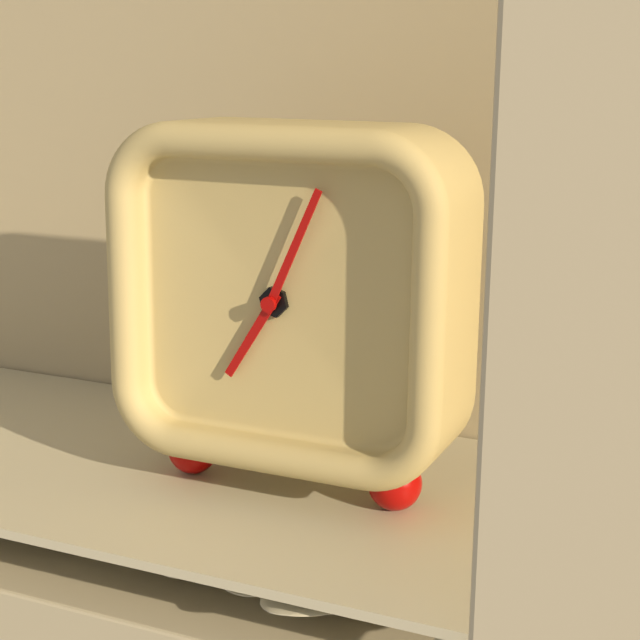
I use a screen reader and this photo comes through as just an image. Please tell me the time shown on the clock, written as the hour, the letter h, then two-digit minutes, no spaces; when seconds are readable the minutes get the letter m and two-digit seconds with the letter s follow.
7h04
